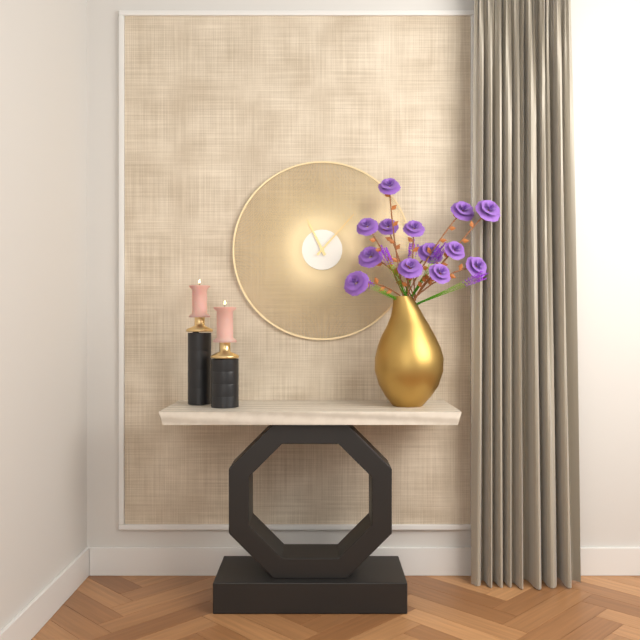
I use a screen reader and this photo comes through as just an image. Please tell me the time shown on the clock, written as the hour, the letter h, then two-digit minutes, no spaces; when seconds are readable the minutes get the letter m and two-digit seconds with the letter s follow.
11h07
